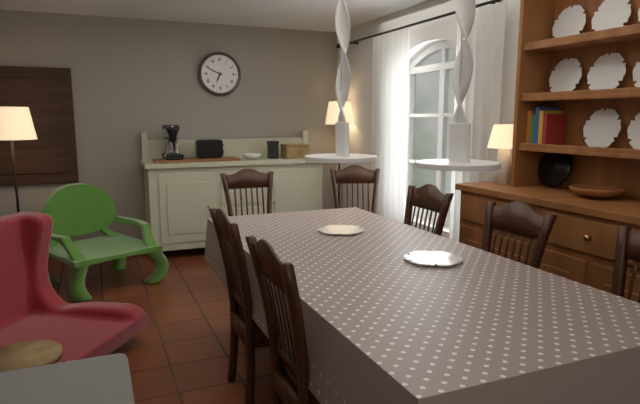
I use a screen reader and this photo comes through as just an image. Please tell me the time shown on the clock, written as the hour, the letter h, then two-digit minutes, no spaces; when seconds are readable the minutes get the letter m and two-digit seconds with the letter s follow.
6h49
